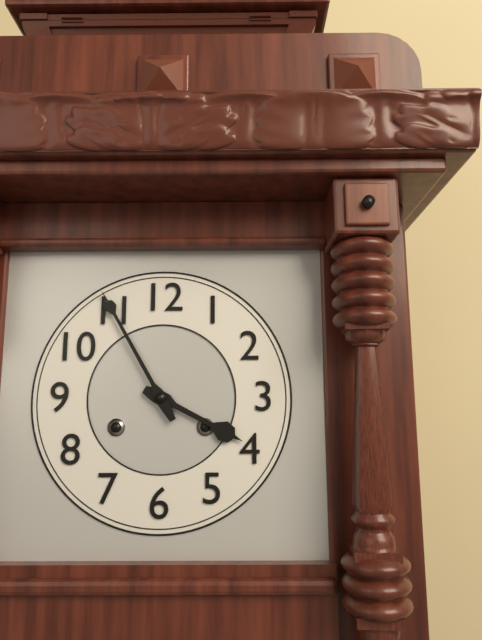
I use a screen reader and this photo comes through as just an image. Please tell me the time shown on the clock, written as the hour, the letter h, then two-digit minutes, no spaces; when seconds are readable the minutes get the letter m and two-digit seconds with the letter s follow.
3h55
